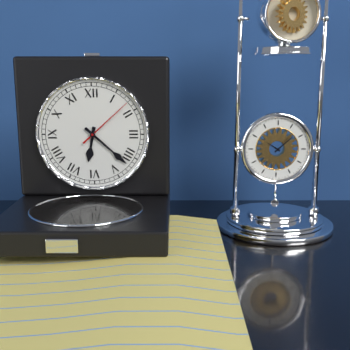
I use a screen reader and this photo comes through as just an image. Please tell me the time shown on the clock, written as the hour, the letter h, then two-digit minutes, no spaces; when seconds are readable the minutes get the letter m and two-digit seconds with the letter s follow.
6h22m08s
